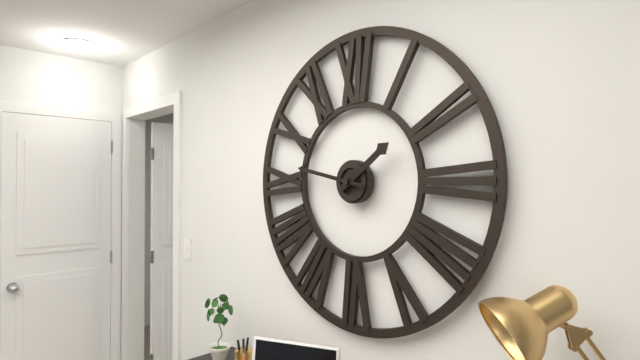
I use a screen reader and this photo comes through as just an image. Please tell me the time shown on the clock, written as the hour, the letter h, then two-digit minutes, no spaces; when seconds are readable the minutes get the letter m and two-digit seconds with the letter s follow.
1h47
